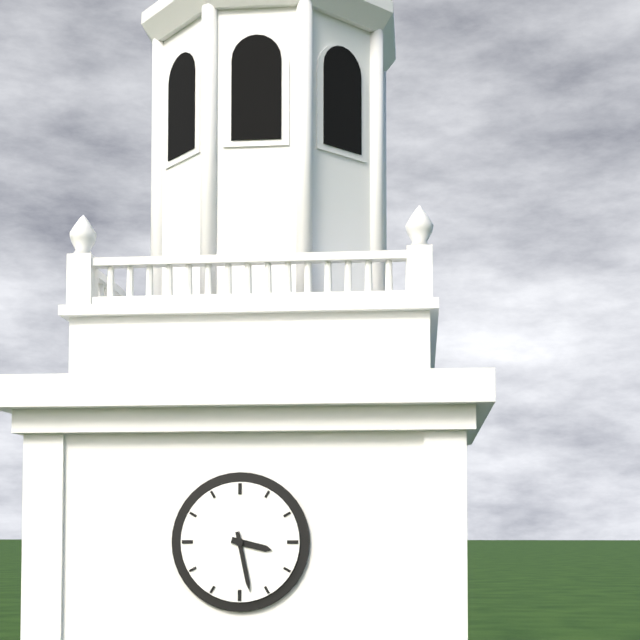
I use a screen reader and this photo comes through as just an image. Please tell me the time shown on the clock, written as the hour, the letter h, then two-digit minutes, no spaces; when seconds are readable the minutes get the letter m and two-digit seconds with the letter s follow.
3h28
